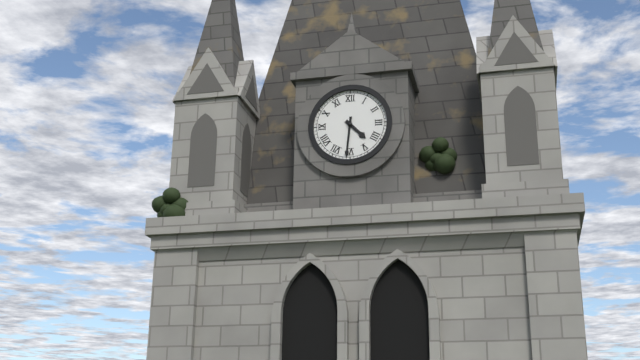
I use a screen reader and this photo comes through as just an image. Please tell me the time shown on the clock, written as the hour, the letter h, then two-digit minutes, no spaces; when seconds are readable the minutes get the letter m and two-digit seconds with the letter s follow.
4h31
